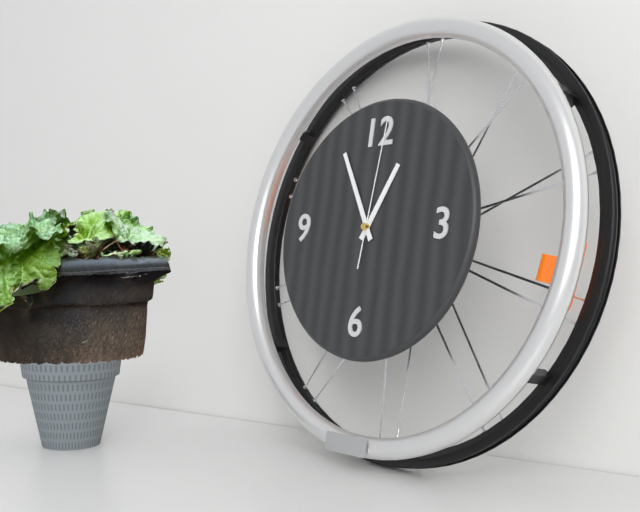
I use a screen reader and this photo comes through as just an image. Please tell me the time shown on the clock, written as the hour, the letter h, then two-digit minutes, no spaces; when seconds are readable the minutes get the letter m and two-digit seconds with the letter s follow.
12h55m01s
